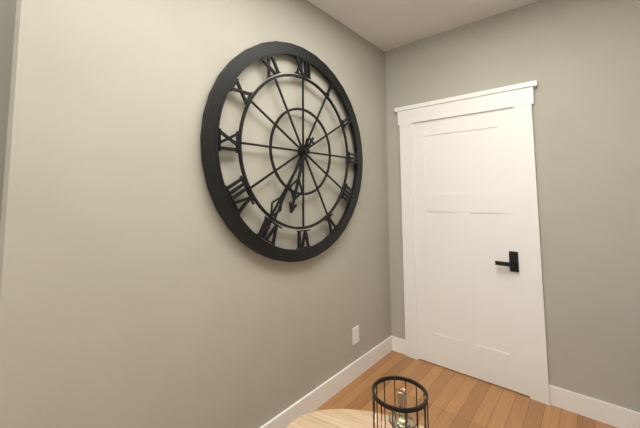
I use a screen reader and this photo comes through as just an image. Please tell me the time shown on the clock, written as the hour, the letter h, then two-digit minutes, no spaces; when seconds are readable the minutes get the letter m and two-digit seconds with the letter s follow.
6h36
